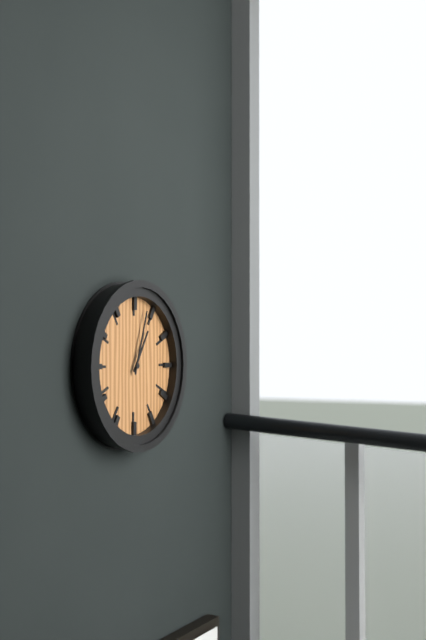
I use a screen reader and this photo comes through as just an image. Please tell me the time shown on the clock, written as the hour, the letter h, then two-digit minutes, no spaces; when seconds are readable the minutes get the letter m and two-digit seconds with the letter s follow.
1h03
